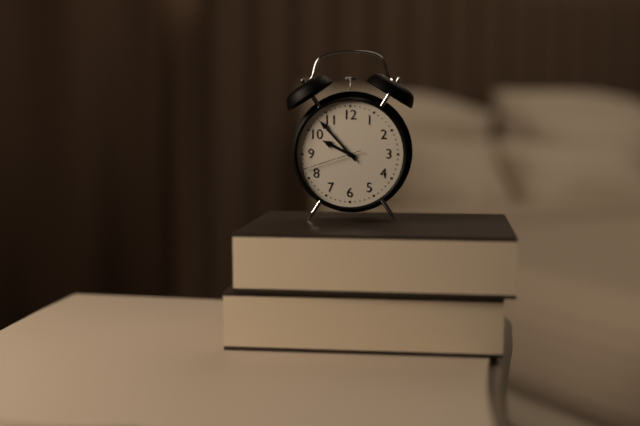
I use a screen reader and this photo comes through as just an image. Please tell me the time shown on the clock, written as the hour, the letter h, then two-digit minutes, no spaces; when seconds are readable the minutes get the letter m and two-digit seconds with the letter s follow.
9h53m42s
